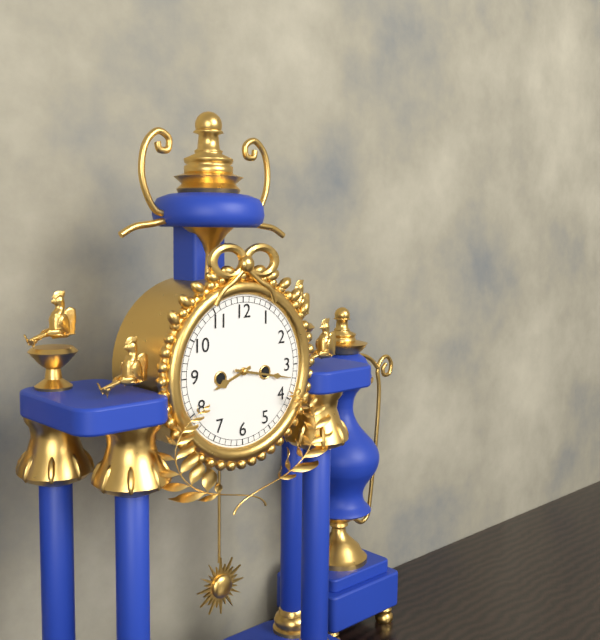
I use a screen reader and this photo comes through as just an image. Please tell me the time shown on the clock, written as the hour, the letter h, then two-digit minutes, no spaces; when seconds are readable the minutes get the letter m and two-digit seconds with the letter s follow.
8h17
